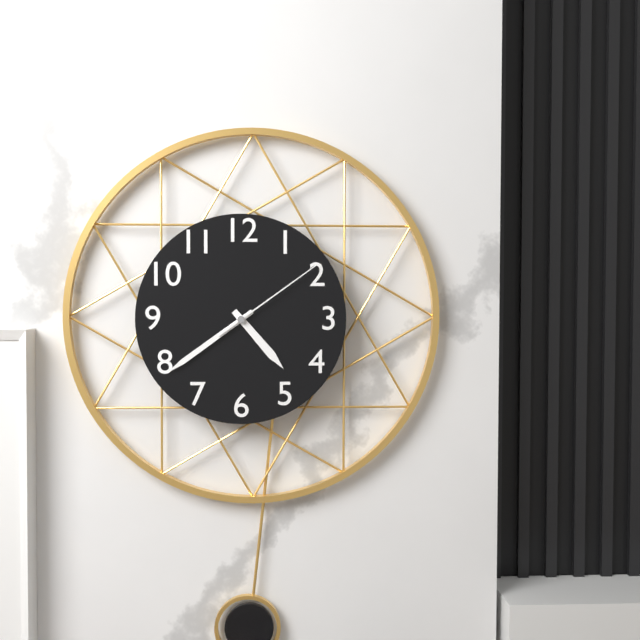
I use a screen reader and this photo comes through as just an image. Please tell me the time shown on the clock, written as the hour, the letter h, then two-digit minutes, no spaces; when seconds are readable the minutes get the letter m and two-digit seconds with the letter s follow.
4h39m09s
